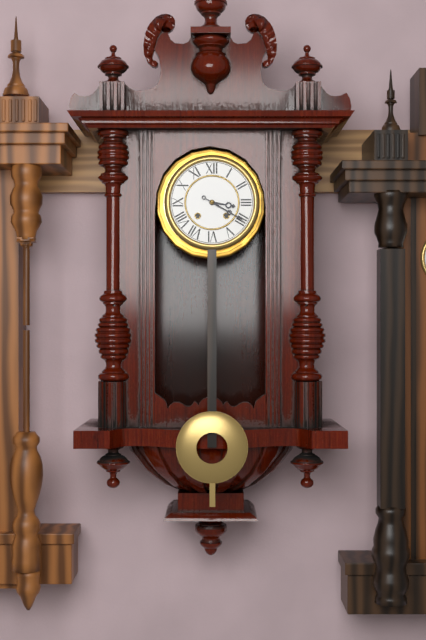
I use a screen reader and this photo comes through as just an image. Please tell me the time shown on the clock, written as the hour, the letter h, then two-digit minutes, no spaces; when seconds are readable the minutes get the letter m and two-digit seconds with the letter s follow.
3h20
